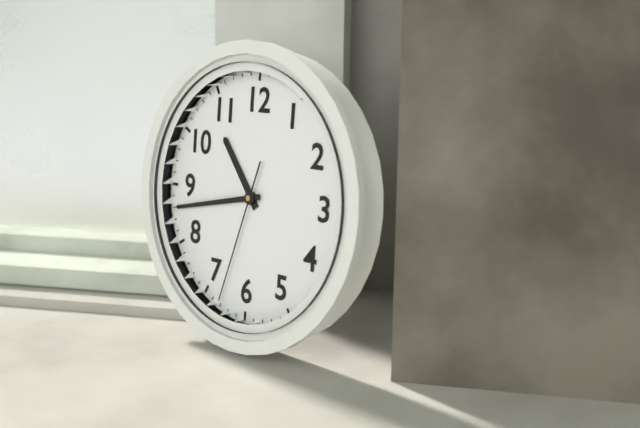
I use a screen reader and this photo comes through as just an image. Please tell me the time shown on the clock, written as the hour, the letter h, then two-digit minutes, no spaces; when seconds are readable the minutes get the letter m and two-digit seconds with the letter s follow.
10h43m33s
